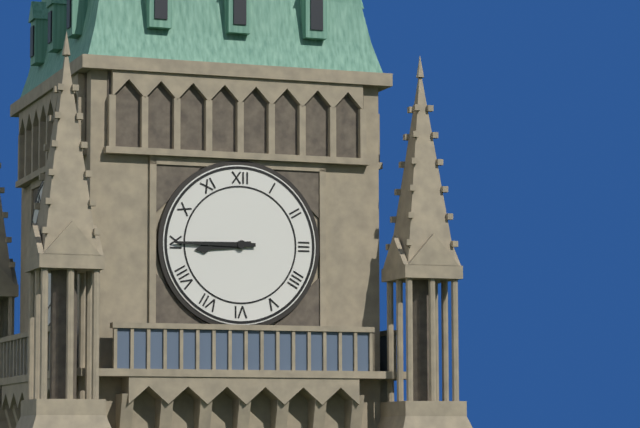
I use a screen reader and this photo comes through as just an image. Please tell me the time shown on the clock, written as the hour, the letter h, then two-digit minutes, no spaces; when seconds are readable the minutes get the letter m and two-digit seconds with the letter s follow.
8h45
